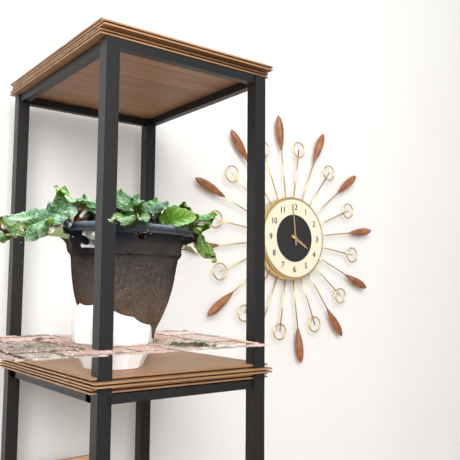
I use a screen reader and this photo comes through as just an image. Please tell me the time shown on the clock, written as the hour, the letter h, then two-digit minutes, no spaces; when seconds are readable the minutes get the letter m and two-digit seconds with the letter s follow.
3h59
